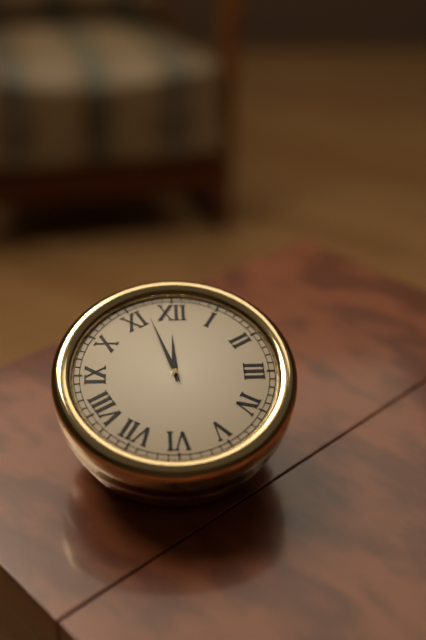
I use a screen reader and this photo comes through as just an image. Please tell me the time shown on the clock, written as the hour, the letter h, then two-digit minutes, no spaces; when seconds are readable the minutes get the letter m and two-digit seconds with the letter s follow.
11h57
